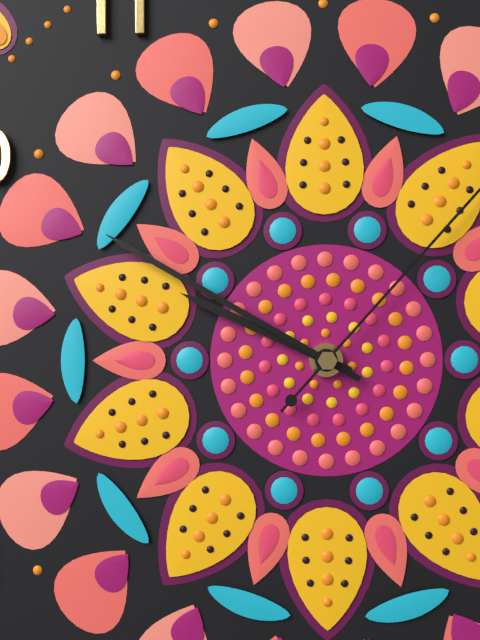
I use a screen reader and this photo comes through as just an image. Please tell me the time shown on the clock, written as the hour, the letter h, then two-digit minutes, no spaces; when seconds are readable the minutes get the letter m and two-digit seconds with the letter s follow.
9h50
